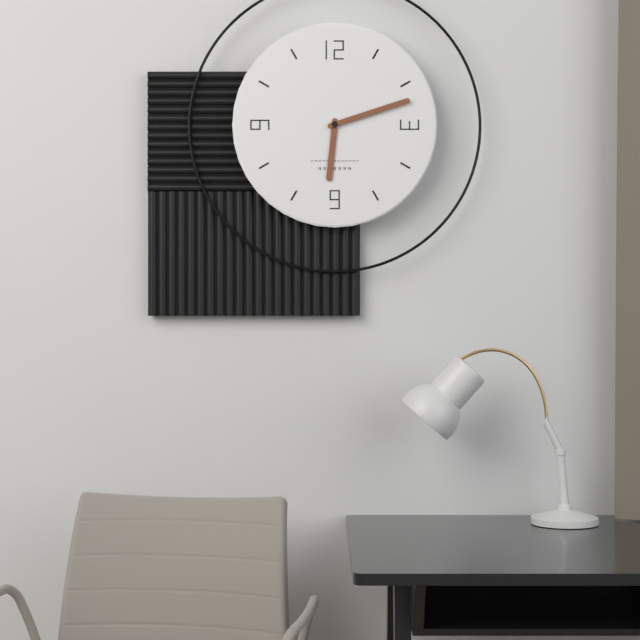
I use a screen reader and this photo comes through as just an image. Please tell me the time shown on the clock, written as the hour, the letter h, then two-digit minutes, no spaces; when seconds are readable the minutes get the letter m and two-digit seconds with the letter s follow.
6h12
